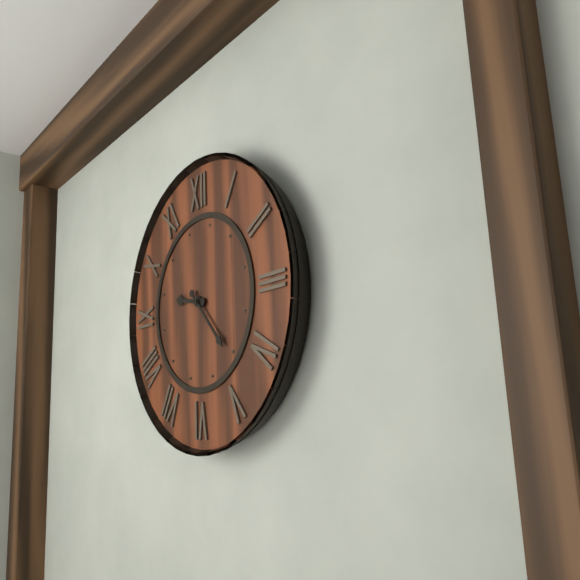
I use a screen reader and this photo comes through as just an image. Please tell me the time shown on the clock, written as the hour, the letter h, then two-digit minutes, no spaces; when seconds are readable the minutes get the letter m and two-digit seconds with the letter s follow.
9h23
